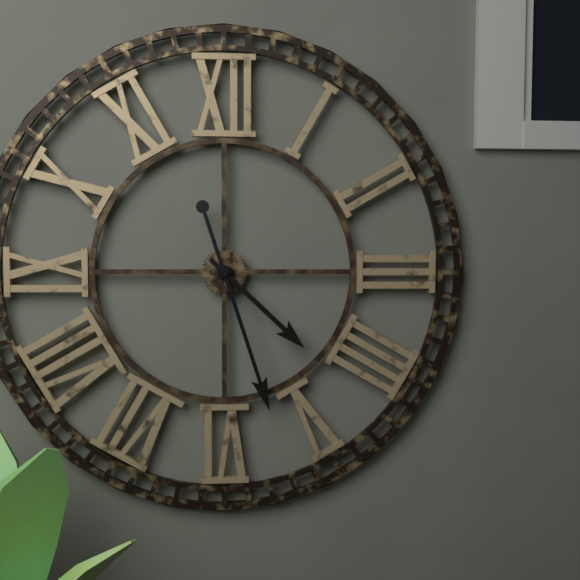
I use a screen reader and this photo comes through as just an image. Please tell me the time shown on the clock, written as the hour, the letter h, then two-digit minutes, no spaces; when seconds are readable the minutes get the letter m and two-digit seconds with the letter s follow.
4h27
